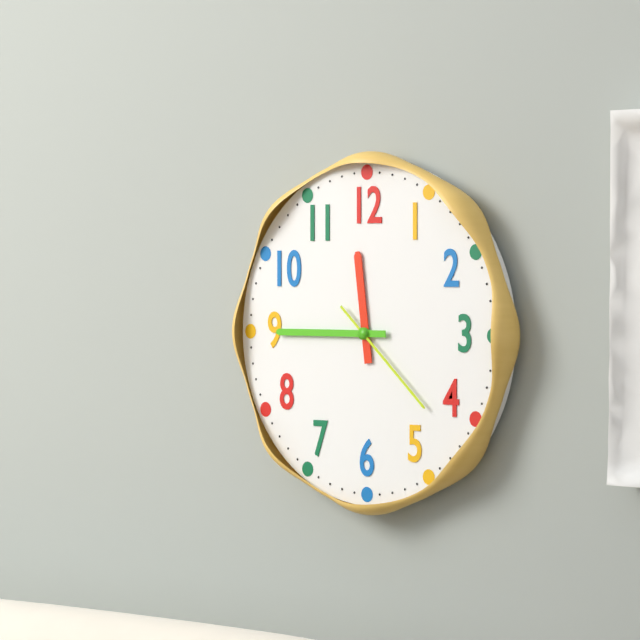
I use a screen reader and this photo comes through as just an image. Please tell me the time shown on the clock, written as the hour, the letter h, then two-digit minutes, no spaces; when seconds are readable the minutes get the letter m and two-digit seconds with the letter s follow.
11h45m22s
